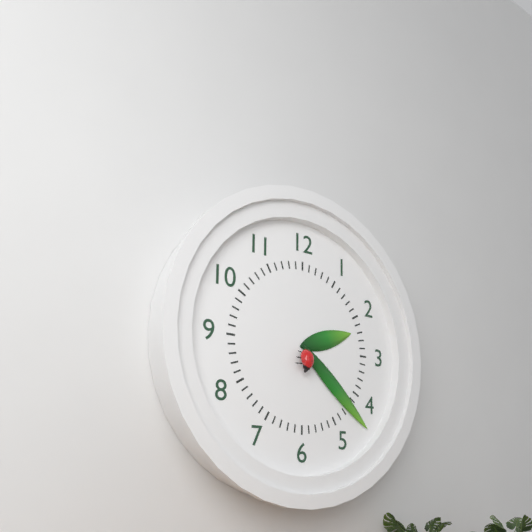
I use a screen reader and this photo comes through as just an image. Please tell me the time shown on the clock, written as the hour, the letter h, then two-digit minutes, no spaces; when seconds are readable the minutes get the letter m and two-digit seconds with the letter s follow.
2h22
